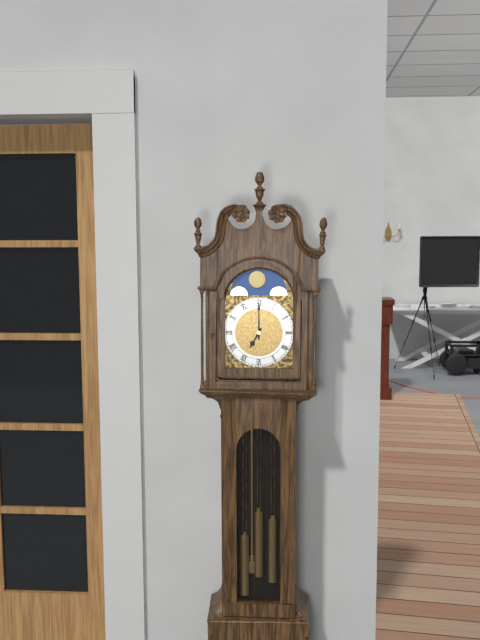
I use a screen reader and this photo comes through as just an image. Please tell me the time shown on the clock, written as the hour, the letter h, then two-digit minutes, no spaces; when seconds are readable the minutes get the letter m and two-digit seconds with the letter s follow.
7h00
